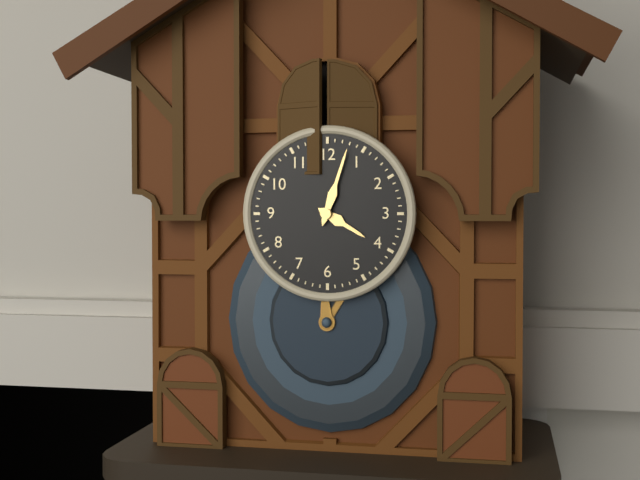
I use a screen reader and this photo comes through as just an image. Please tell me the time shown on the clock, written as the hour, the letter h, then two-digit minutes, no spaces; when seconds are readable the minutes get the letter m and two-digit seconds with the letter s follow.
4h03
